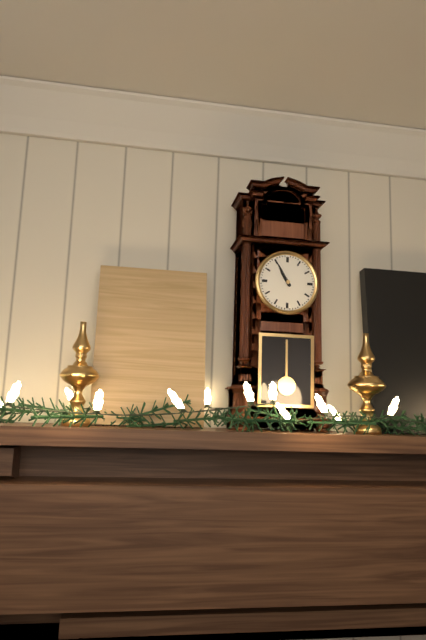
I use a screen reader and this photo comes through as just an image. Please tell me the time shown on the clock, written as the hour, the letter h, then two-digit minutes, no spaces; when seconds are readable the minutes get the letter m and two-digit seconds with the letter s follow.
10h55
